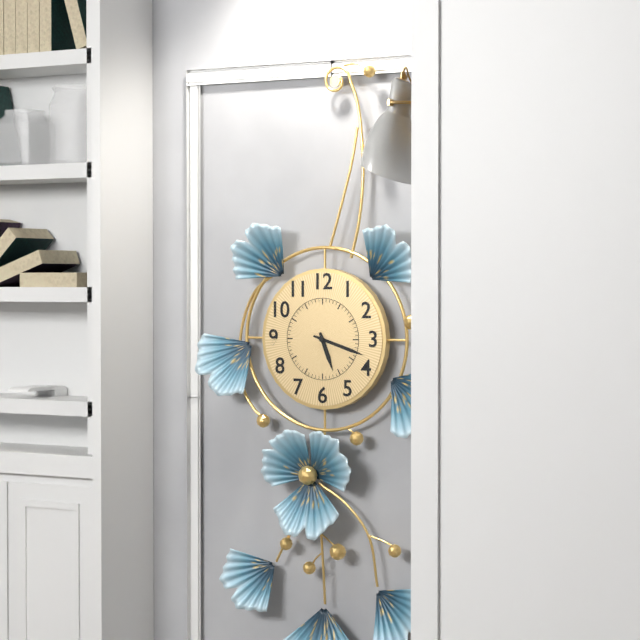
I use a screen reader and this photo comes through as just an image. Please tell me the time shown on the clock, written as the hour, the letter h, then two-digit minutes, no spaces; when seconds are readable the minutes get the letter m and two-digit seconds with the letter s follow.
5h18
